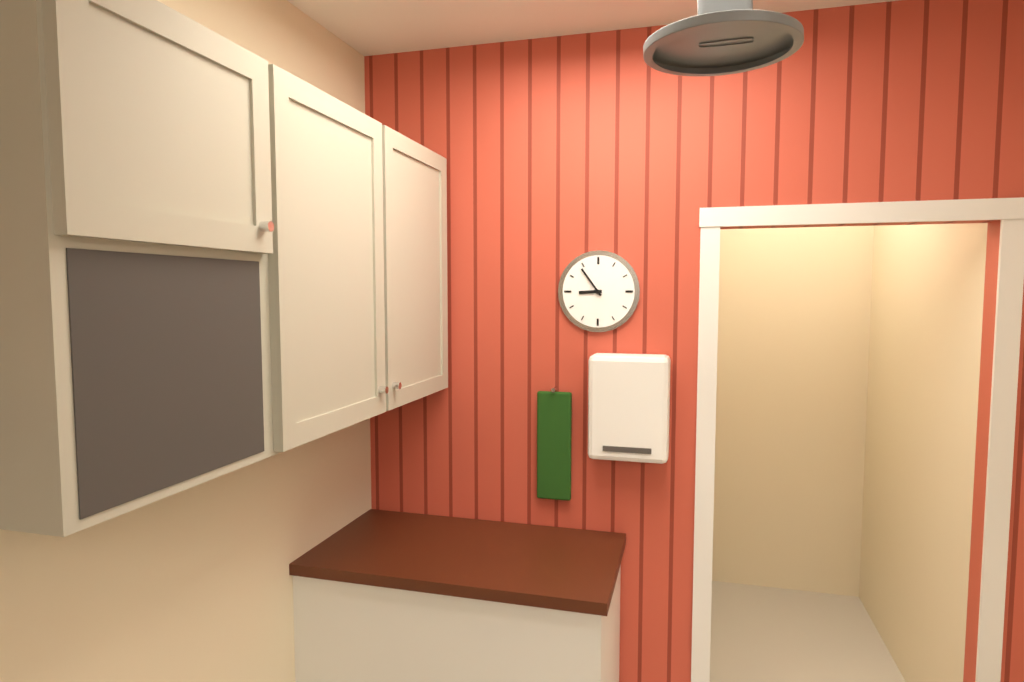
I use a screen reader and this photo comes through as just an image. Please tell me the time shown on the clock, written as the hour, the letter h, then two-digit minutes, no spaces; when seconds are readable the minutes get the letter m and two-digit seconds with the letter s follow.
8h54
